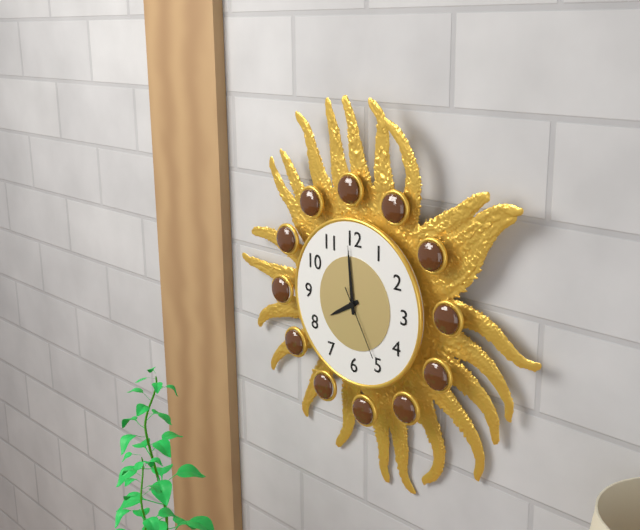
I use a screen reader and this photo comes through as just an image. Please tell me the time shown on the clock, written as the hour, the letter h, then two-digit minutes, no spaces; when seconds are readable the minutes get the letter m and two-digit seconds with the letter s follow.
7h59m25s
